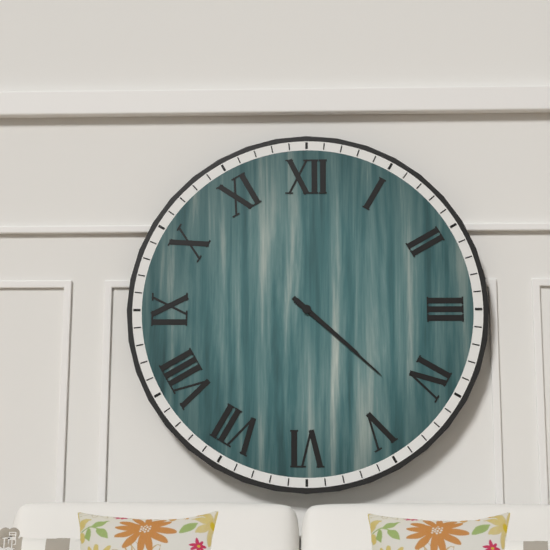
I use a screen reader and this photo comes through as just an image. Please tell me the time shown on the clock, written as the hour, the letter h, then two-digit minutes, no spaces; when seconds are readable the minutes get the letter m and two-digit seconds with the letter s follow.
4h22
